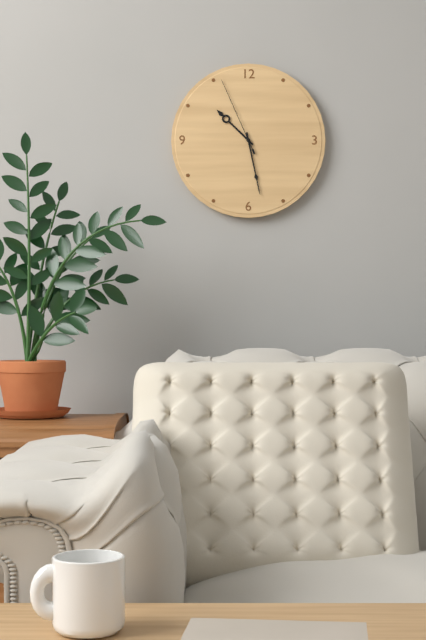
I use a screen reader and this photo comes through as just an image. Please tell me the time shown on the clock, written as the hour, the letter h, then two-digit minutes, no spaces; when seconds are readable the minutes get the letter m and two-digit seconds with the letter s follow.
10h28m56s
